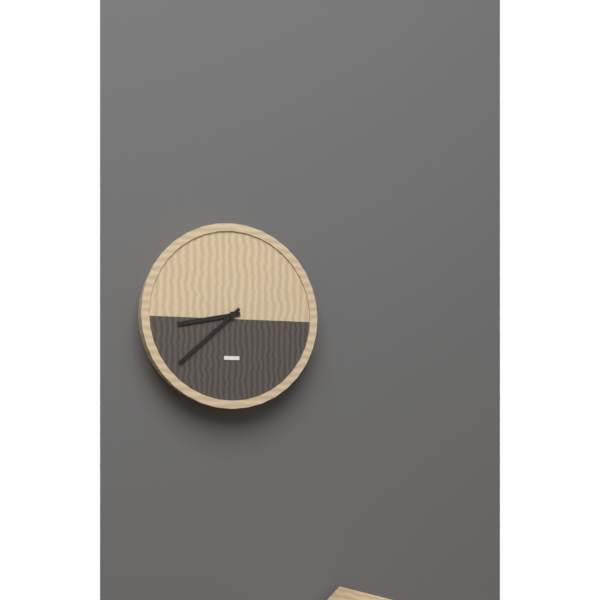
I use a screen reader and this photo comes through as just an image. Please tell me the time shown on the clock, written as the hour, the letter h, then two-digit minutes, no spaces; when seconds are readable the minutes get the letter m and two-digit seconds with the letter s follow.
8h38
